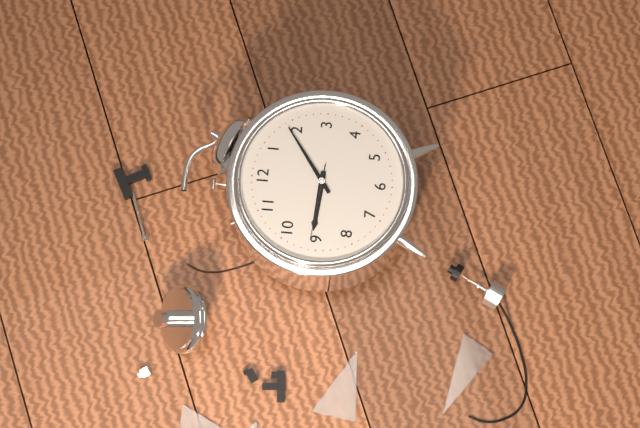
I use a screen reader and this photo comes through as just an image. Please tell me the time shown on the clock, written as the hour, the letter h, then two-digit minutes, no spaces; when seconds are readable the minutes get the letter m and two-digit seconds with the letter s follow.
9h09m46s
